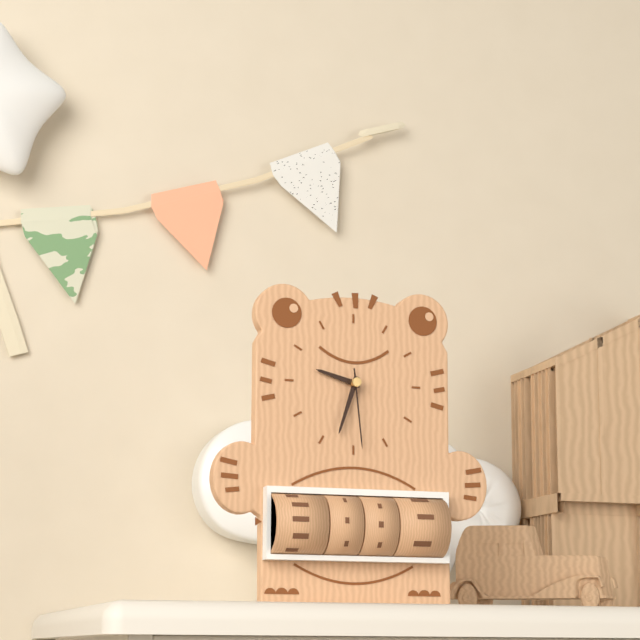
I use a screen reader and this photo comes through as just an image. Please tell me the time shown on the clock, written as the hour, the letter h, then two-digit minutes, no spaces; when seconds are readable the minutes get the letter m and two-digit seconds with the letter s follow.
9h33m29s
